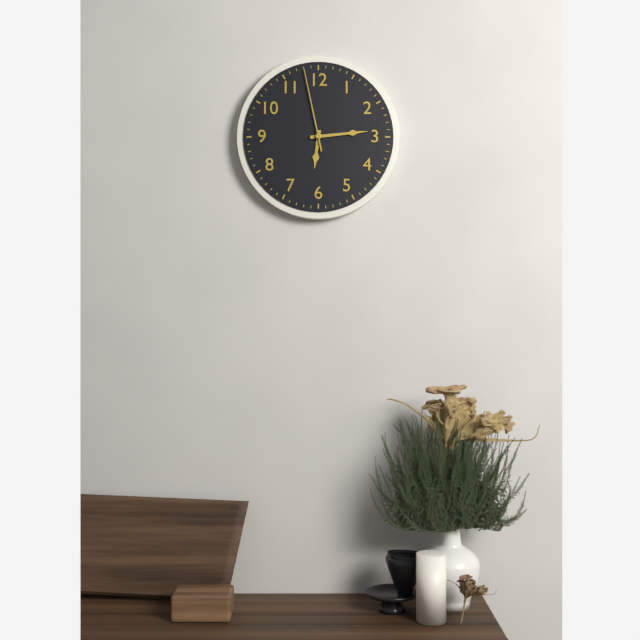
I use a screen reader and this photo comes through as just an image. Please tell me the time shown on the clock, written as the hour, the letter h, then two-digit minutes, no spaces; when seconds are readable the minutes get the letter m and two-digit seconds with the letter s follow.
6h14m58s
